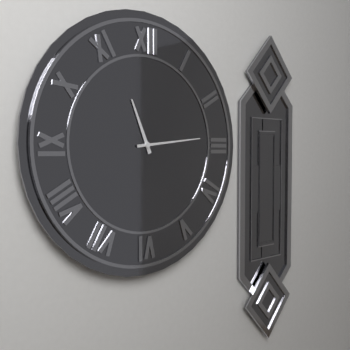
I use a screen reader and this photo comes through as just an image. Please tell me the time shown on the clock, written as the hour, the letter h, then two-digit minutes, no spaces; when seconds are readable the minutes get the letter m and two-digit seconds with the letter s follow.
11h14
